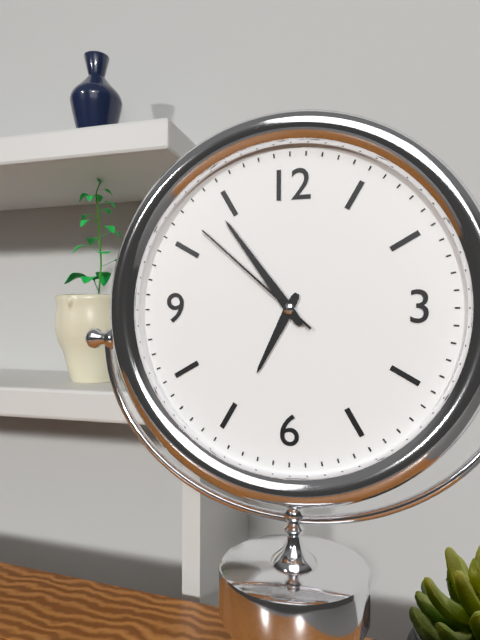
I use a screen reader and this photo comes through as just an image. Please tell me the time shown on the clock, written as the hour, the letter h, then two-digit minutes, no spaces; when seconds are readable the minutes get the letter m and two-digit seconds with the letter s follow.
6h54m52s
